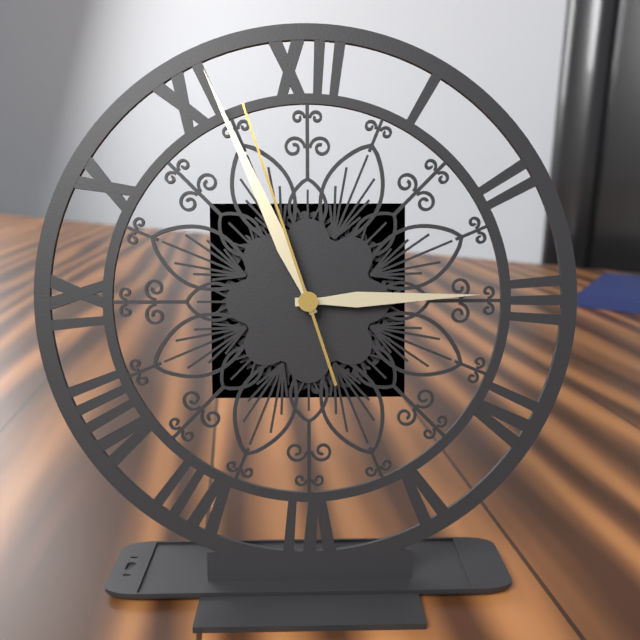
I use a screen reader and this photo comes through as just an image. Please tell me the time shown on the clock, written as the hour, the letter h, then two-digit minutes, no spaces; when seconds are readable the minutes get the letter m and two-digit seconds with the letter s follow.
2h56m57s
